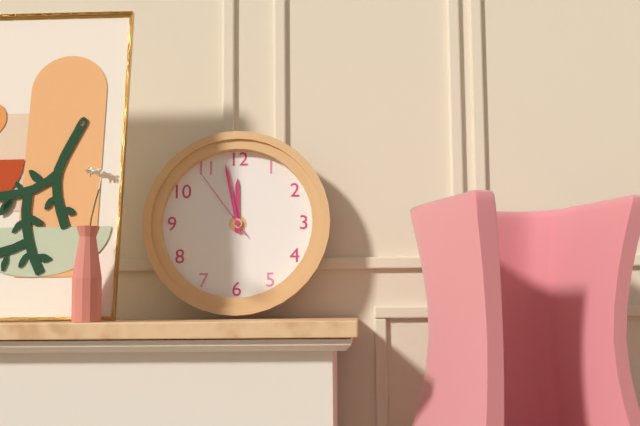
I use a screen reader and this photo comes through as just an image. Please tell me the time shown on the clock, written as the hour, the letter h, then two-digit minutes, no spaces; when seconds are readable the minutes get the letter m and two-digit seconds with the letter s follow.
11h58m54s
